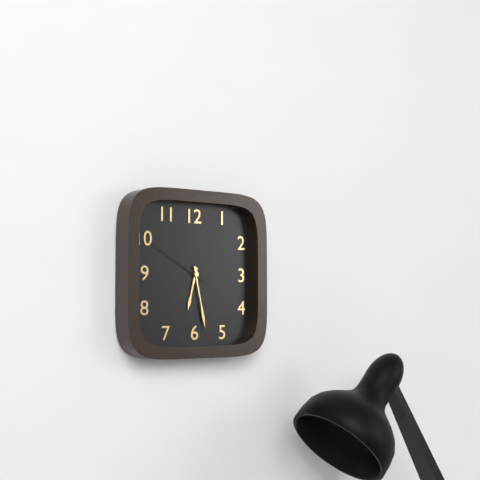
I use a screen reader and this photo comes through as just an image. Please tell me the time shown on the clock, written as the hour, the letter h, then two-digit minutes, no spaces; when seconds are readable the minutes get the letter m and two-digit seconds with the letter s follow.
6h28m50s
